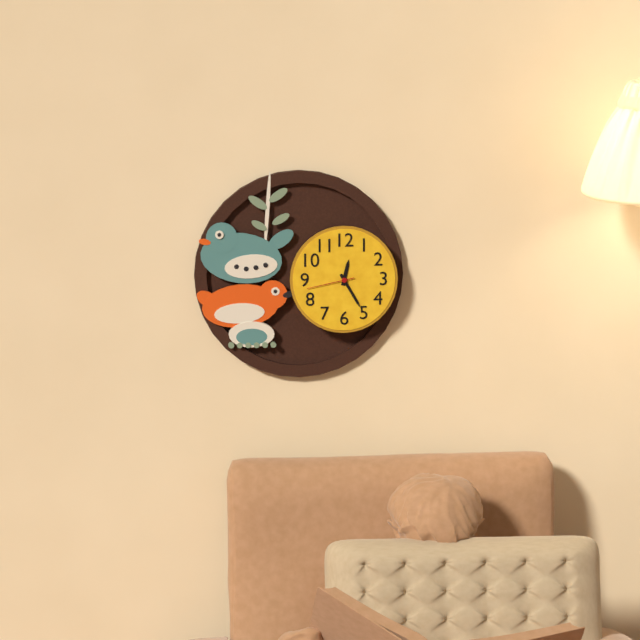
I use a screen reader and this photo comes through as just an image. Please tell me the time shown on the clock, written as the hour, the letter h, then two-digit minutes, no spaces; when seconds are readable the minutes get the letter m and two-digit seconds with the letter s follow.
12h25
